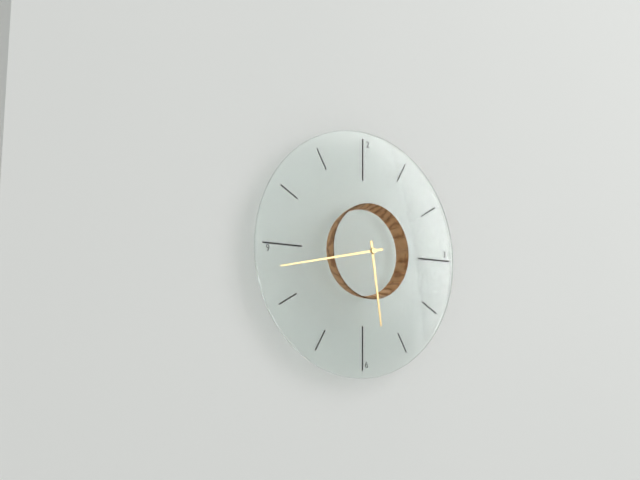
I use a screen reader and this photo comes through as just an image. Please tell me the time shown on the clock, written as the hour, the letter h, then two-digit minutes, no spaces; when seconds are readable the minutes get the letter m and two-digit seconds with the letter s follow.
5h43
